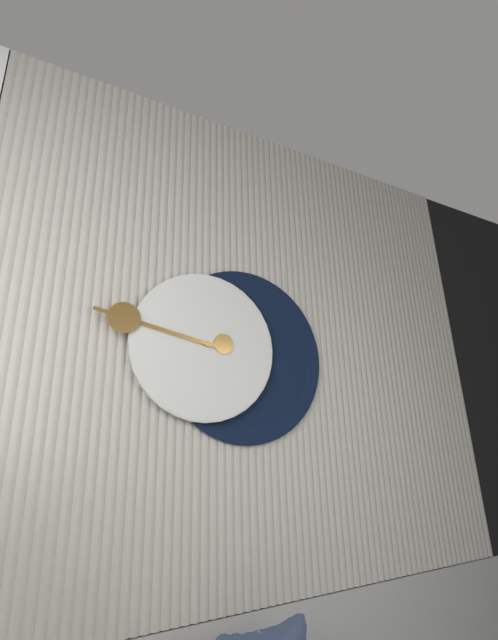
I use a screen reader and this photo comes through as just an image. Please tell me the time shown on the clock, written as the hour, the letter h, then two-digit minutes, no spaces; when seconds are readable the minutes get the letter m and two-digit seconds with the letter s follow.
2h47
